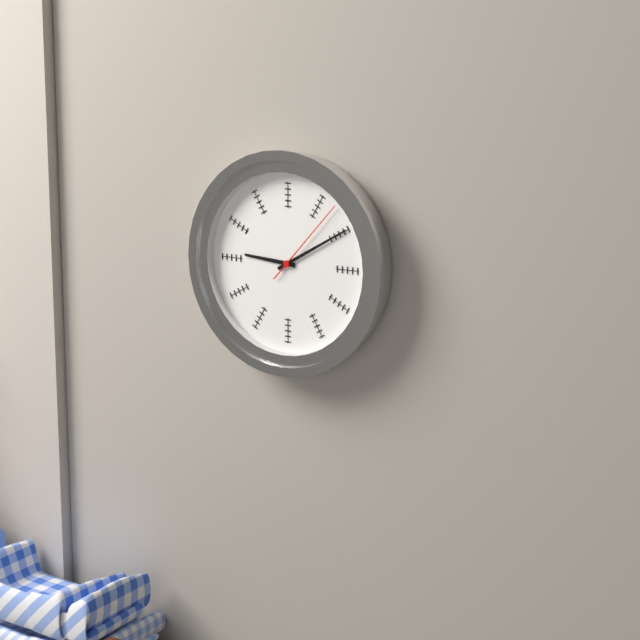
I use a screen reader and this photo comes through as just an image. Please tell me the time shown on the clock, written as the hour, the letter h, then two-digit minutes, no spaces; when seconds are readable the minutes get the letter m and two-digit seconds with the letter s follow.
9h10m07s
